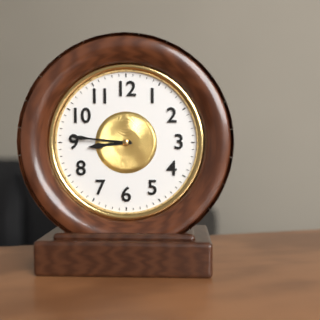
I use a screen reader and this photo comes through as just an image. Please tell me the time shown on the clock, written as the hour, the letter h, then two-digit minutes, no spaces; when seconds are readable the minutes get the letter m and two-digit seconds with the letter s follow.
8h46
